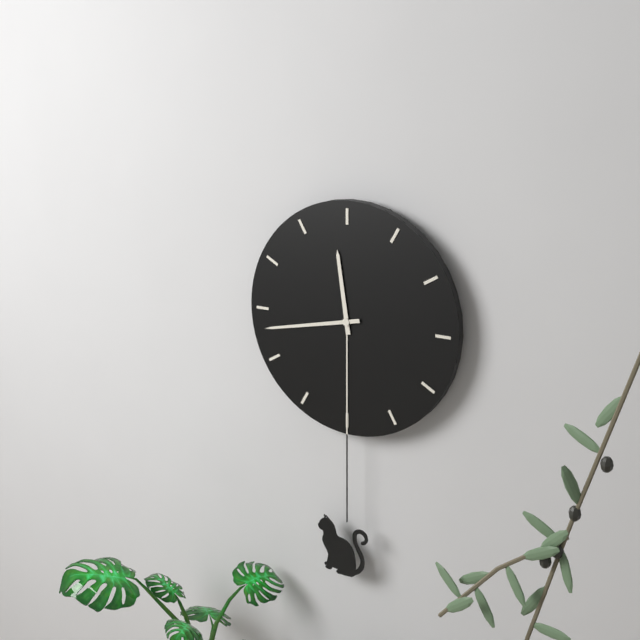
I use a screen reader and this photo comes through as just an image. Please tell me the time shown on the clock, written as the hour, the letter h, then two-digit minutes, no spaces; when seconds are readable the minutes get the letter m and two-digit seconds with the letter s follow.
11h43
